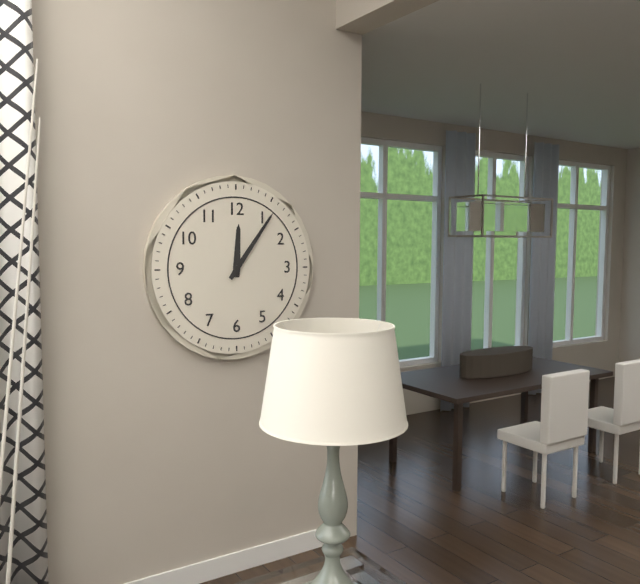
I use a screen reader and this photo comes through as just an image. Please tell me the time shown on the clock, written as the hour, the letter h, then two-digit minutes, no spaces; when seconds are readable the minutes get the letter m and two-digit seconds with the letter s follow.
12h06
